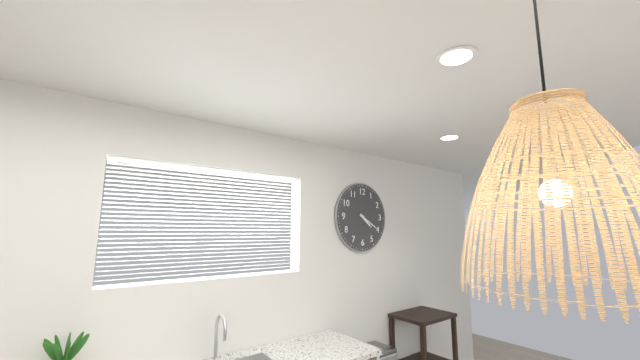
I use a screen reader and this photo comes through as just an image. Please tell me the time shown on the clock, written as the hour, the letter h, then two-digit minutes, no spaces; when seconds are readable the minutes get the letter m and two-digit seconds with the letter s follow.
4h20
